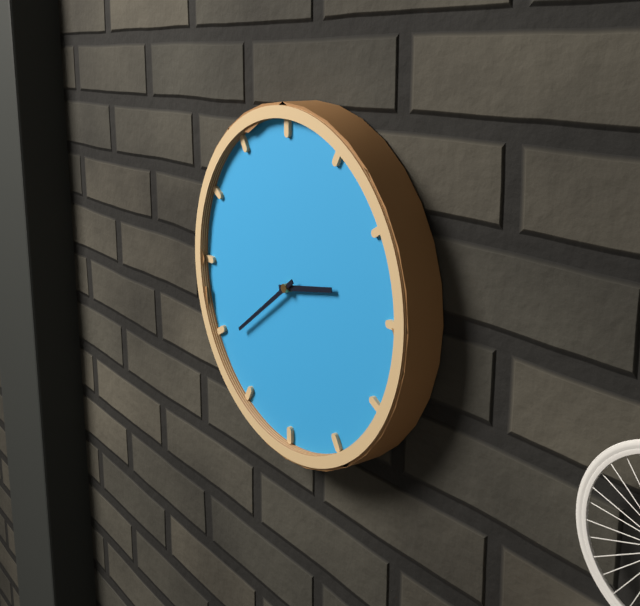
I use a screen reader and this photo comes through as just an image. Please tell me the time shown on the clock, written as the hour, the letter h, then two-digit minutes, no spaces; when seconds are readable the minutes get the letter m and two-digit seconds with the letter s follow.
2h39
